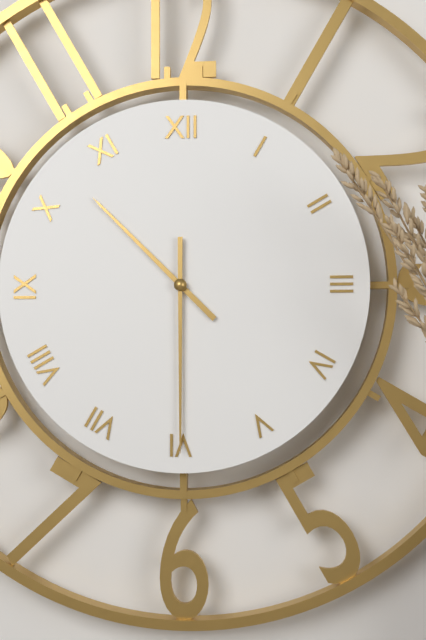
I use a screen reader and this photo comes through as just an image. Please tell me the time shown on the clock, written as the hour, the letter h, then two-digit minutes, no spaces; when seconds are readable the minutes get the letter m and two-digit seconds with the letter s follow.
10h30
